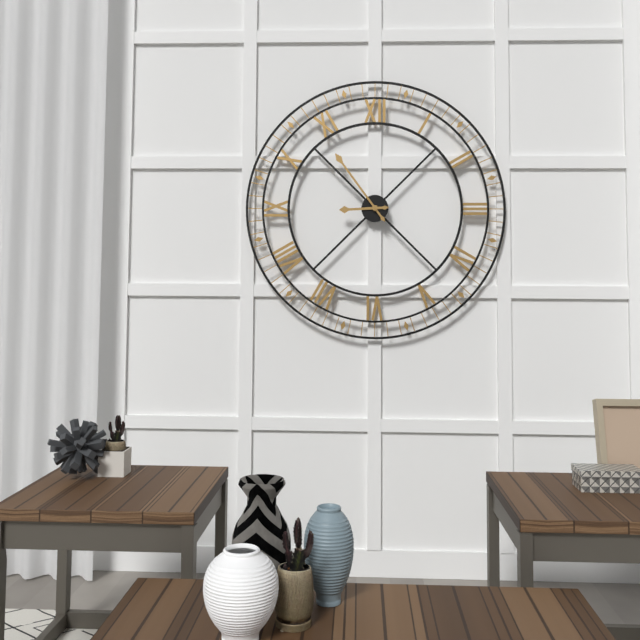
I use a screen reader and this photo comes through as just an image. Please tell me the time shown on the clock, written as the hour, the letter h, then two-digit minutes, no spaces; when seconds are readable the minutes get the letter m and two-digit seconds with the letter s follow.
8h54
